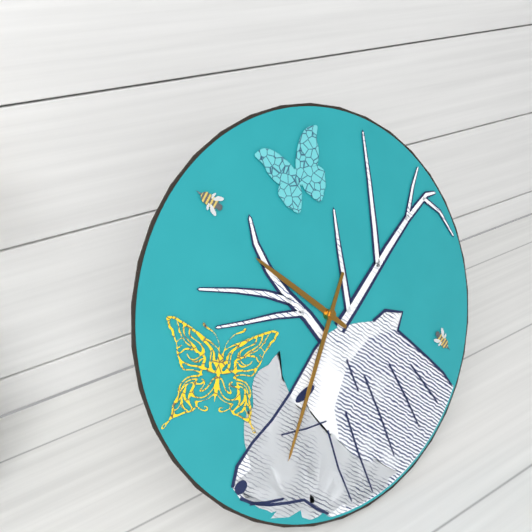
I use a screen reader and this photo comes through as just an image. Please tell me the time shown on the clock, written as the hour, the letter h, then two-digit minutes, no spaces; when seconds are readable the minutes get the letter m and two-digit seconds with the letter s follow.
10h36
